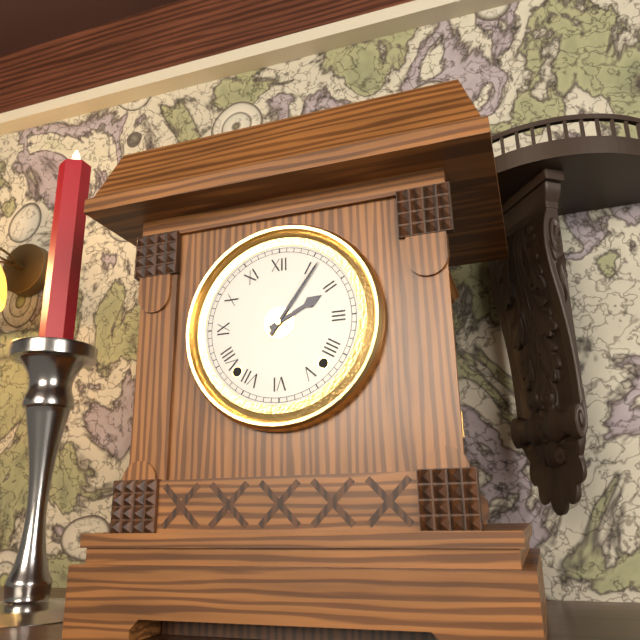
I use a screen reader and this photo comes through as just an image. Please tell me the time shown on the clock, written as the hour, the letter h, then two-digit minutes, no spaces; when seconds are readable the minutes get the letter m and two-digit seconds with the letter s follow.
2h06
